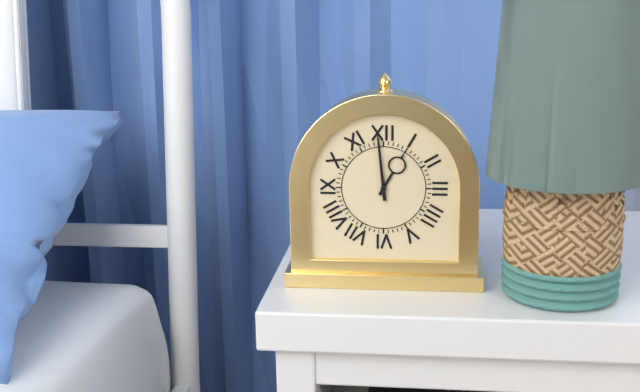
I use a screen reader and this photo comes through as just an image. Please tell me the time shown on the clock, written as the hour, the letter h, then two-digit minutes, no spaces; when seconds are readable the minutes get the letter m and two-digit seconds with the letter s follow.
12h59
